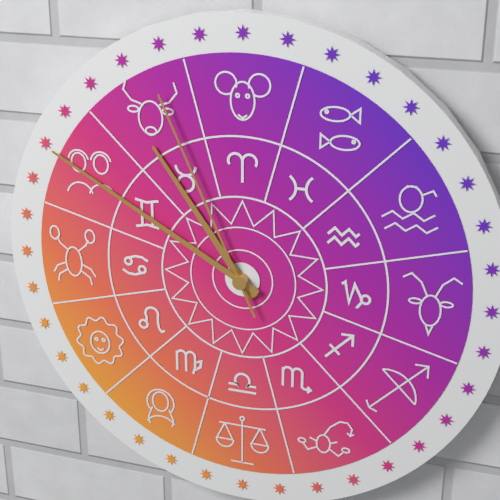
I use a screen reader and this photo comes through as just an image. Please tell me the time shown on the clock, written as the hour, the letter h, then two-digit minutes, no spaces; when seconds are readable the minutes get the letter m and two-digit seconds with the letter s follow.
10h50m56s
